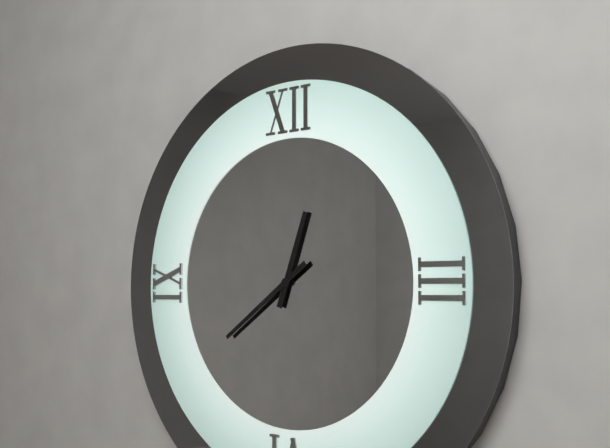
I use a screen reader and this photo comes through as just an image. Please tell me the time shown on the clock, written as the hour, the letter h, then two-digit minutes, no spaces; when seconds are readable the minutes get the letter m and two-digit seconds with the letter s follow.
12h39
